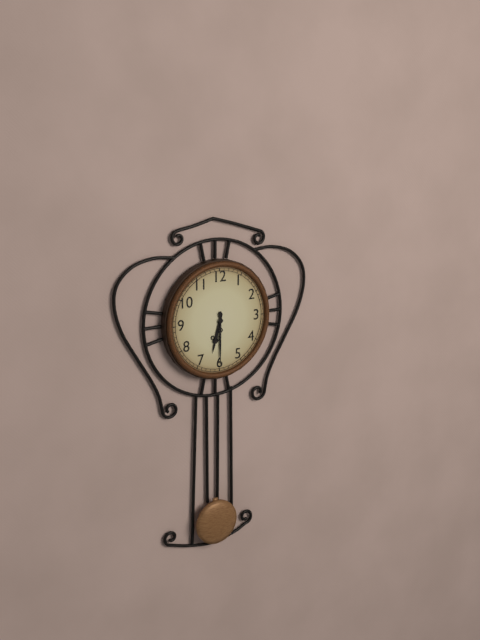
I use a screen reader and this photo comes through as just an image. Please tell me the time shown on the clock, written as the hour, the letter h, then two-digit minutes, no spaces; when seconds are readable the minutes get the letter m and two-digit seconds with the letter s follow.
6h30
